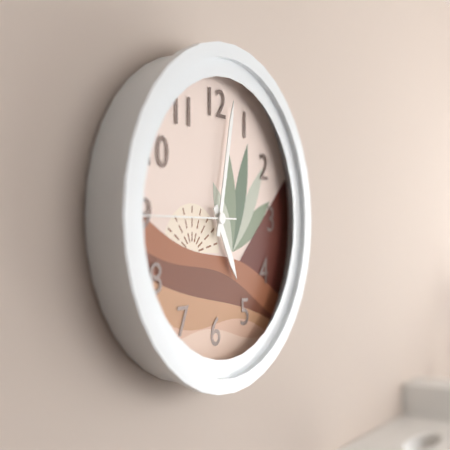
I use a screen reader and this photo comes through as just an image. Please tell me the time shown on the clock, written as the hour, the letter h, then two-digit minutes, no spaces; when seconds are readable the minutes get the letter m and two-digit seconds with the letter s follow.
5h02m45s
